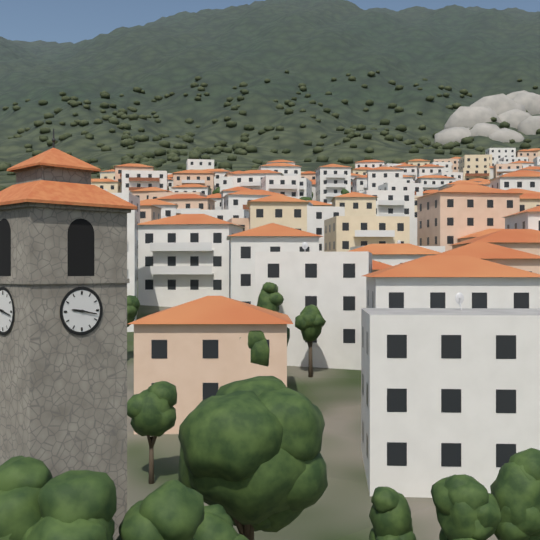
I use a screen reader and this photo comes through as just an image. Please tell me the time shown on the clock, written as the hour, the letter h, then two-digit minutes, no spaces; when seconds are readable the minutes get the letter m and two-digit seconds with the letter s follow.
9h17
